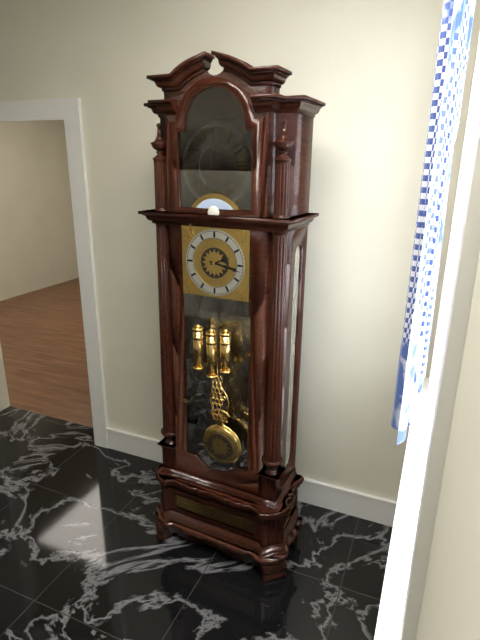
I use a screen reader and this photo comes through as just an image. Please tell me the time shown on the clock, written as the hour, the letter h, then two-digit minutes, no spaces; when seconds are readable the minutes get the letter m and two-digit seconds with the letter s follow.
2h17
